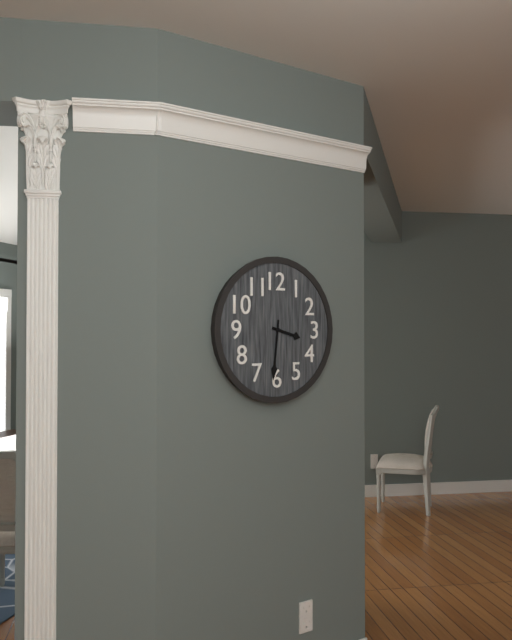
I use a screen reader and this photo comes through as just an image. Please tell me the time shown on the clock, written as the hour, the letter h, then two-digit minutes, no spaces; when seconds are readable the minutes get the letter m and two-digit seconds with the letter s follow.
3h31
